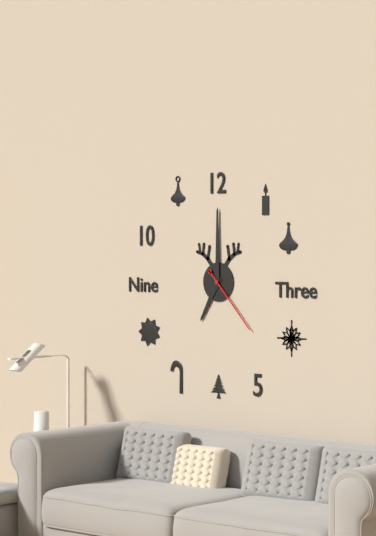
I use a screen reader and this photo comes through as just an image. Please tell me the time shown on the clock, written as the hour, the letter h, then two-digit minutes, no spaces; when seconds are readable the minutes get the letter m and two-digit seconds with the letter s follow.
7h00m23s
